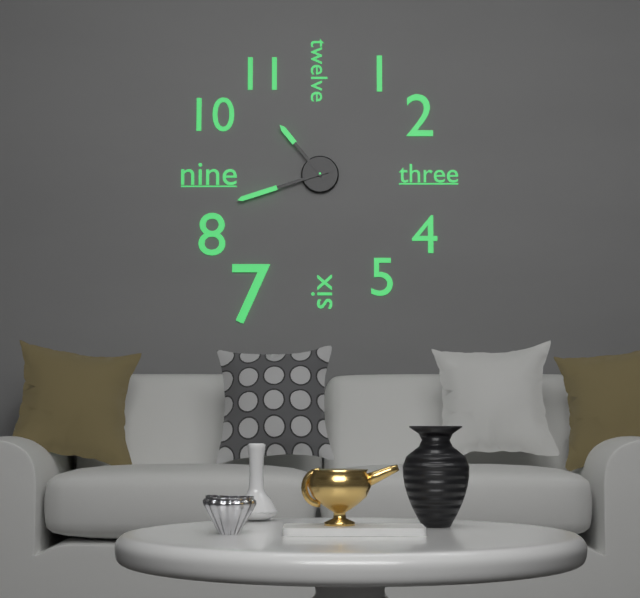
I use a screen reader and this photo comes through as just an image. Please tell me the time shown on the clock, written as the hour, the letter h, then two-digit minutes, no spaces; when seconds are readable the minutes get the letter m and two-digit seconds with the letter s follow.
10h42
